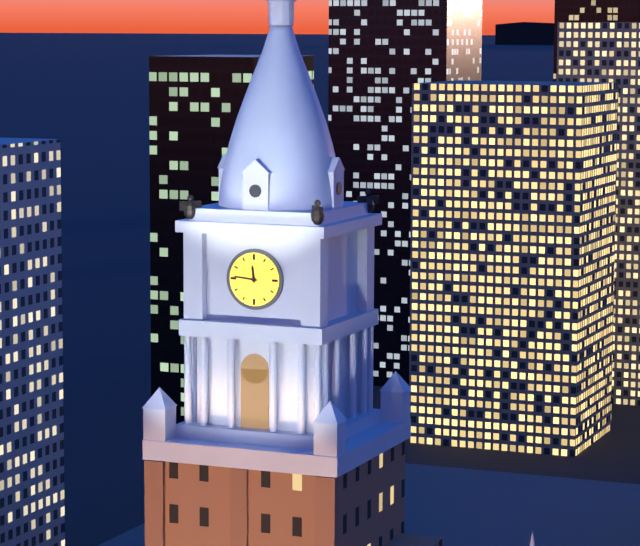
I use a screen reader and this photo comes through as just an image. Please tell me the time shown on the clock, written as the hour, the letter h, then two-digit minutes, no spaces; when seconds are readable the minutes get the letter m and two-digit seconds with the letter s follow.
11h46
